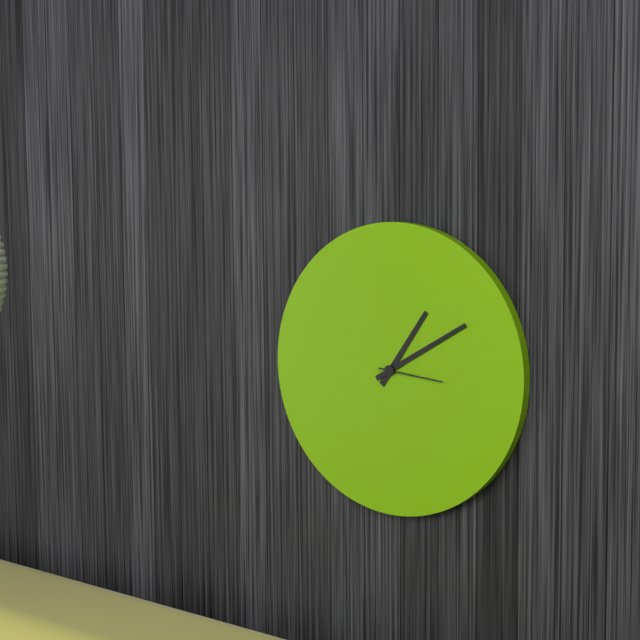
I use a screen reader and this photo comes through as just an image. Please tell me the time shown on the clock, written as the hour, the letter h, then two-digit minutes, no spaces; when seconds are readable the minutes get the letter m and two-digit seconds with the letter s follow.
1h10m16s
